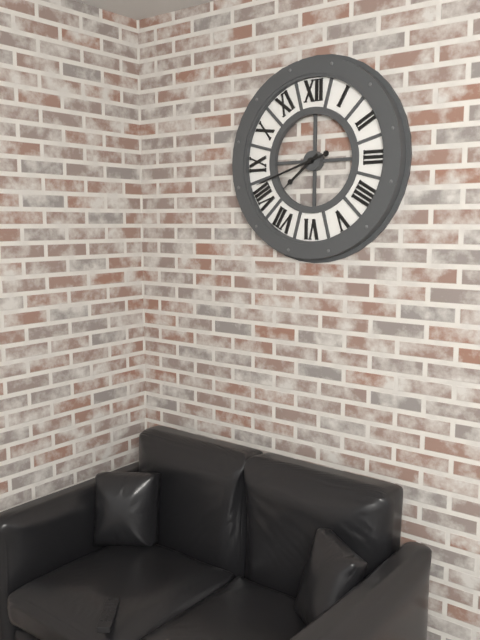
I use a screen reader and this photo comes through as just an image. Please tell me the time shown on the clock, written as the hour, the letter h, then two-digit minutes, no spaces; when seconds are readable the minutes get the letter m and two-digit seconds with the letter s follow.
7h42
